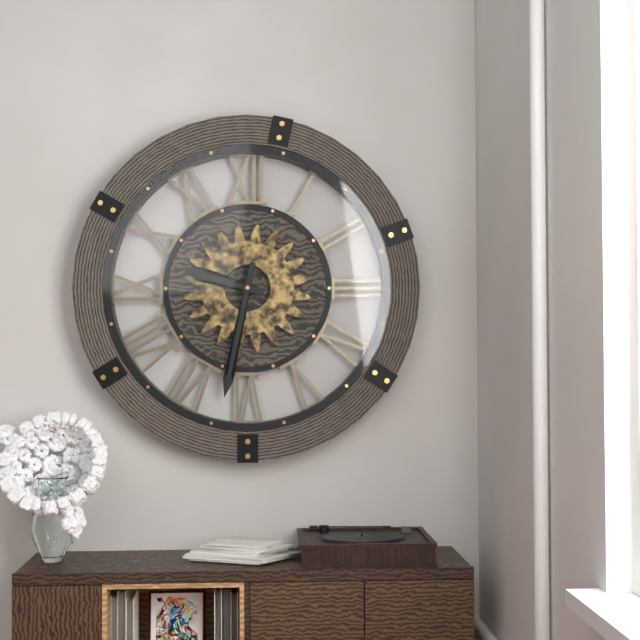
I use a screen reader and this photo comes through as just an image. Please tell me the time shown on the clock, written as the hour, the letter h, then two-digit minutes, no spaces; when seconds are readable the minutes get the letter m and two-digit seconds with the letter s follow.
9h32
